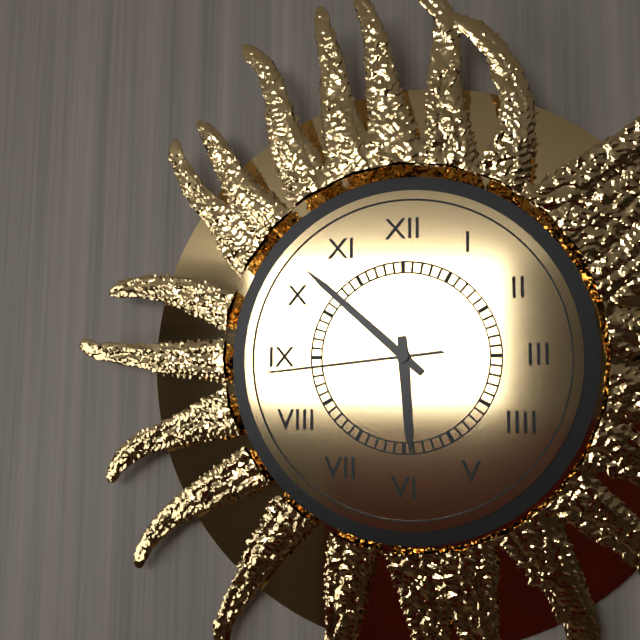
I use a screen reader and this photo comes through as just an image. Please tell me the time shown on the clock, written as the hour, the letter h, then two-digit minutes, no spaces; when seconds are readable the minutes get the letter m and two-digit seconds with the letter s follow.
5h52m44s
